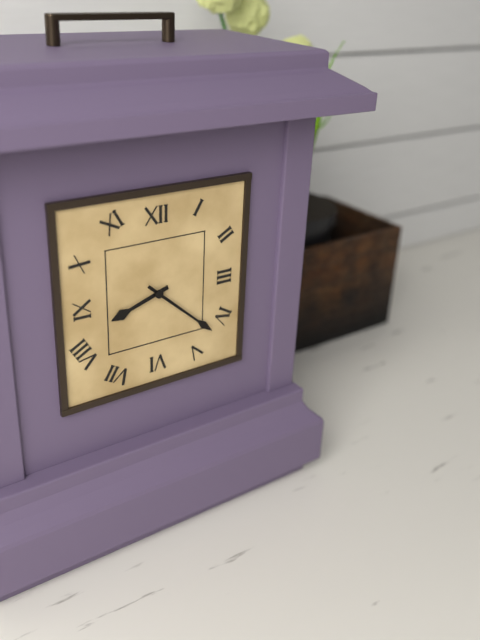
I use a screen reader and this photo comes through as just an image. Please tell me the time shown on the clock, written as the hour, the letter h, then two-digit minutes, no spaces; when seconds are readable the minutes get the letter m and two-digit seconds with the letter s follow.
8h22
